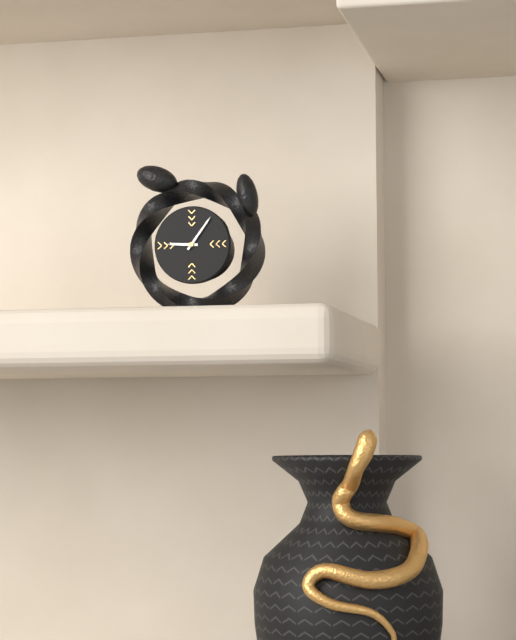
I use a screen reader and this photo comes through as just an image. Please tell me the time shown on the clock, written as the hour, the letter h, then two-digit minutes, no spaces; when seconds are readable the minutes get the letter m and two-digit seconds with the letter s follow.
9h06
